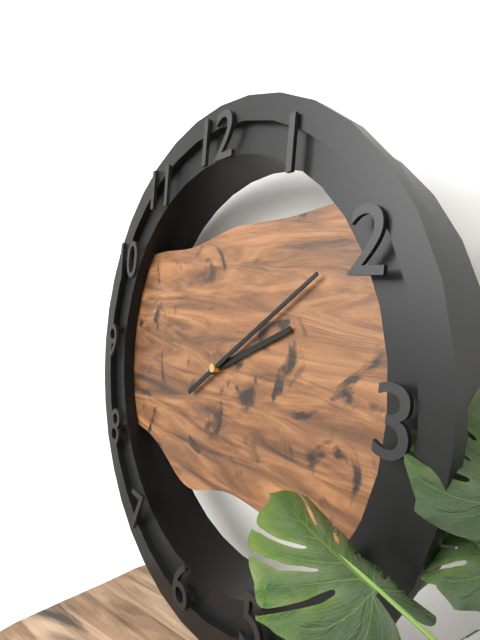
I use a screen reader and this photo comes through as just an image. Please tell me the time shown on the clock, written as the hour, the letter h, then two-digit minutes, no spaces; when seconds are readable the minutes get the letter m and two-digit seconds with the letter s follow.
2h09
